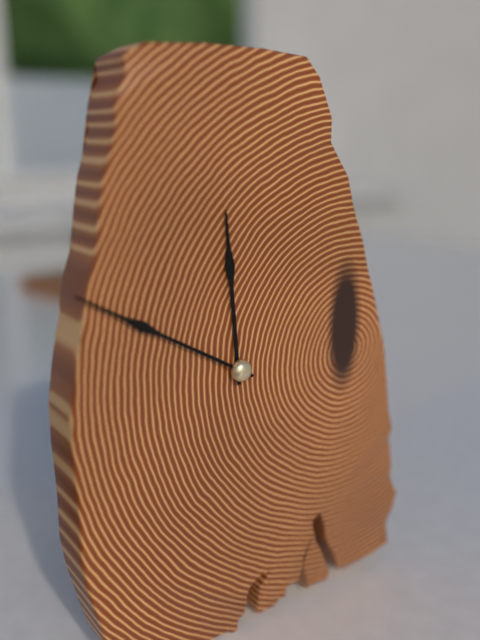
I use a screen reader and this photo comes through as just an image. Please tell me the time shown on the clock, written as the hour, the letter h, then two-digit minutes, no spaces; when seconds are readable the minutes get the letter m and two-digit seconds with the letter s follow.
11h50
